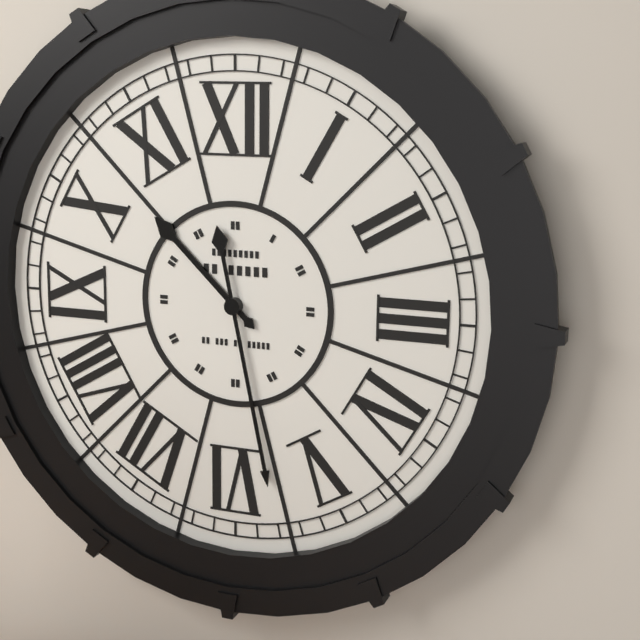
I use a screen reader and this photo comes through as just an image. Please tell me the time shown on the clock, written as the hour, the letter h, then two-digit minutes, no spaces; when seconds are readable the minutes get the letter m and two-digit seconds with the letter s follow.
10h28
